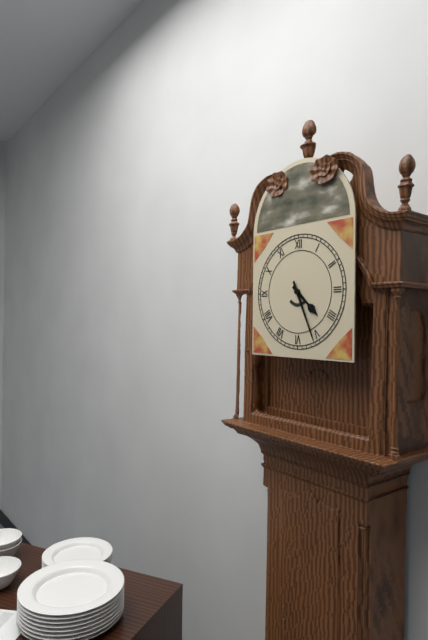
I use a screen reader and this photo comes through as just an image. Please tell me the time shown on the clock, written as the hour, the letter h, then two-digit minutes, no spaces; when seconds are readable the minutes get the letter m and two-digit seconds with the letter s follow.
4h26
